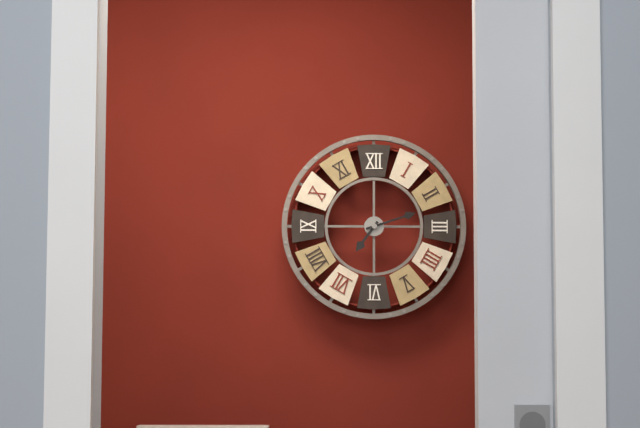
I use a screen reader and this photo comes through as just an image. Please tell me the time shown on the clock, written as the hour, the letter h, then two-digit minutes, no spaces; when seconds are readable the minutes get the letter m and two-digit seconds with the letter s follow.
7h12
